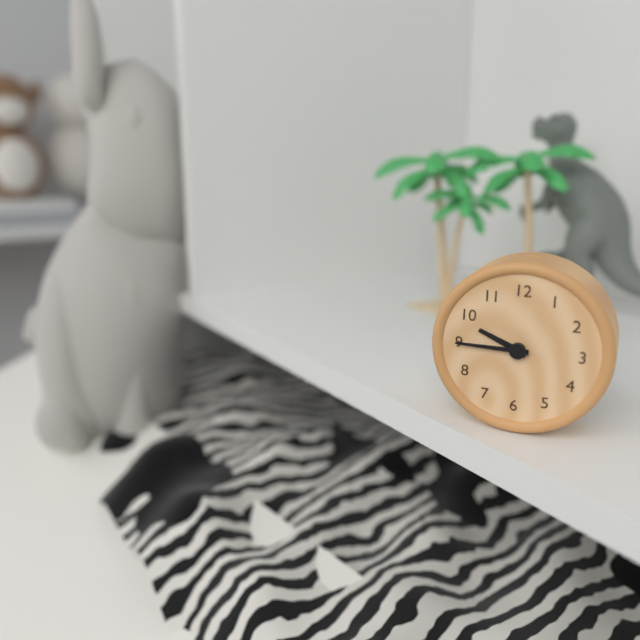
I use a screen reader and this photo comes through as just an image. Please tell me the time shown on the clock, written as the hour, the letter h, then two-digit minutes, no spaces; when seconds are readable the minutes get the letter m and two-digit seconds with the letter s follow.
9h45
